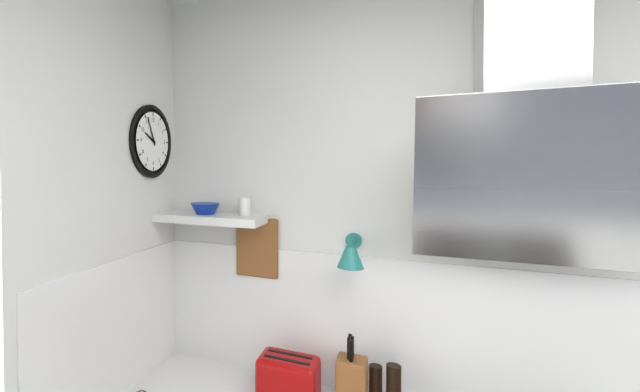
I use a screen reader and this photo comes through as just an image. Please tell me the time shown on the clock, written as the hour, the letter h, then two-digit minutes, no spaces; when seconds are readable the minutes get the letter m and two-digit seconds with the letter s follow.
9h56
